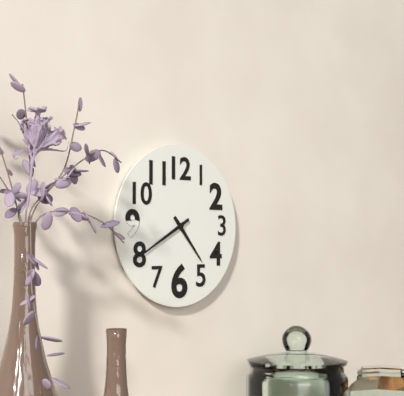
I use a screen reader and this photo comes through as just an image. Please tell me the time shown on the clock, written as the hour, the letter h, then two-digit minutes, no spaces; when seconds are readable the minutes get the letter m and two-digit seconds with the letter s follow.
4h40
